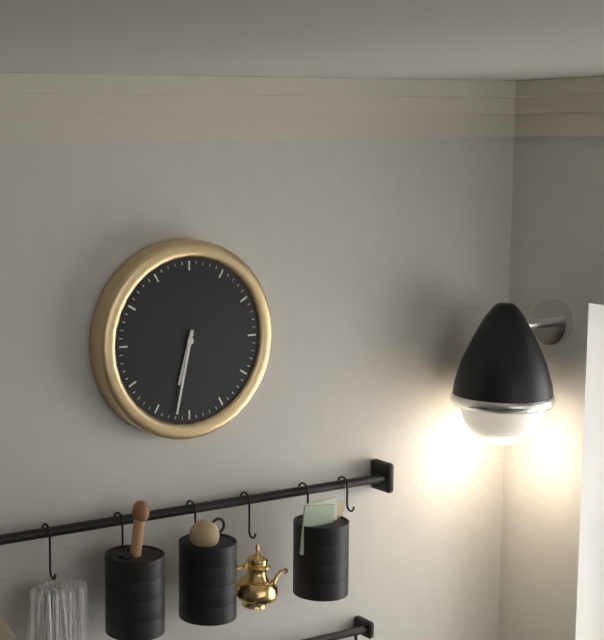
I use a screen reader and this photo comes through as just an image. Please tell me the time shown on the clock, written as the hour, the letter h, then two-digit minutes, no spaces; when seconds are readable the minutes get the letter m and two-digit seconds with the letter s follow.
6h32
